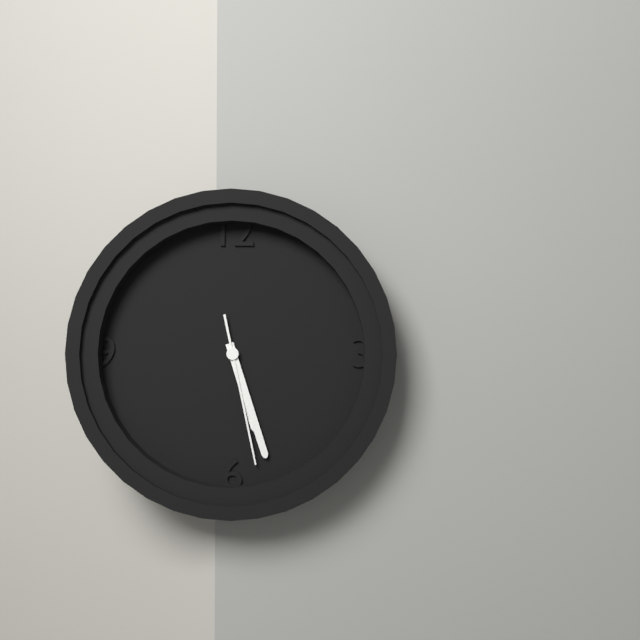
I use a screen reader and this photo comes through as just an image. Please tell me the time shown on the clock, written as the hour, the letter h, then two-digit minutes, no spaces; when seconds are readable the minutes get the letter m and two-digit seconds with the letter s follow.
5h27m28s
